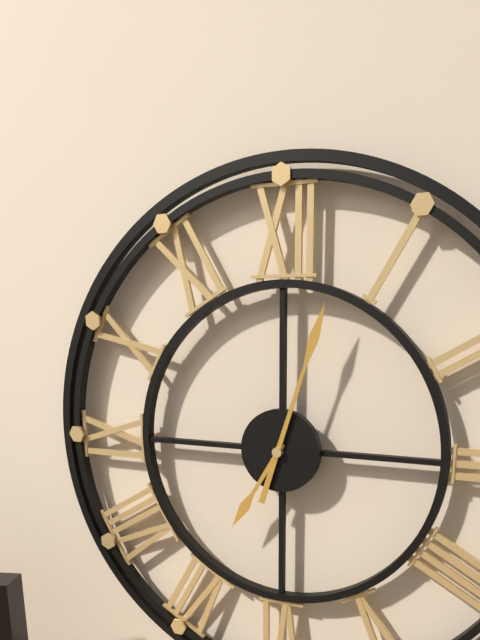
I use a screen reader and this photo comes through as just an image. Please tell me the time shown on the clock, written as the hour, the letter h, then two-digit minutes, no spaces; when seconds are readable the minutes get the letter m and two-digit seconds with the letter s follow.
7h03
